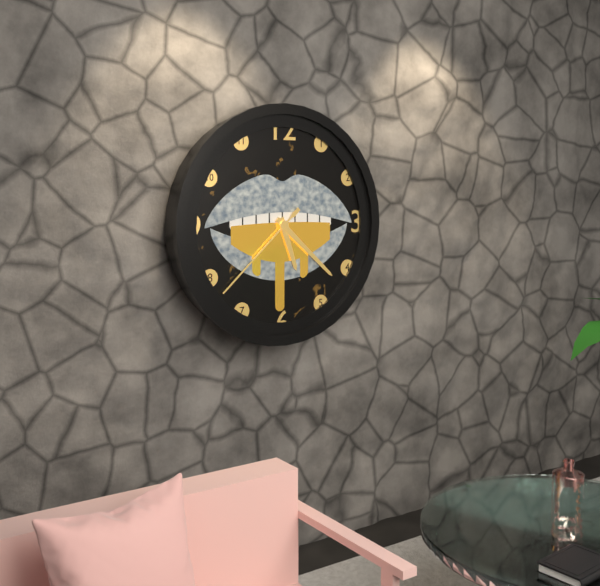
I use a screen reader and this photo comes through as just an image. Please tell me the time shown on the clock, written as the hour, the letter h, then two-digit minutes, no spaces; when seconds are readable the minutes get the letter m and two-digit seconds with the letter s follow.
5h22m38s
